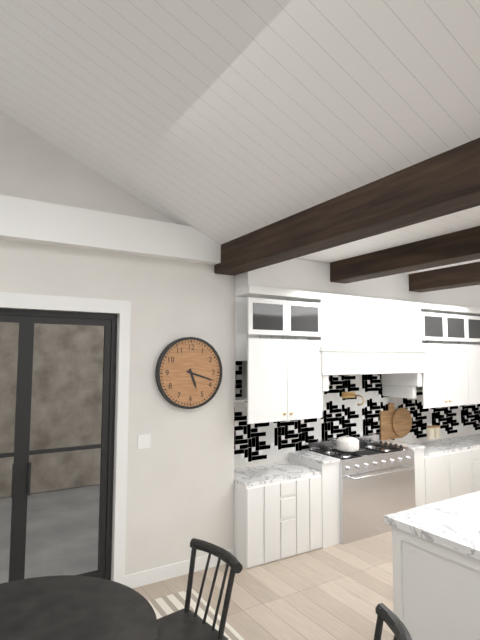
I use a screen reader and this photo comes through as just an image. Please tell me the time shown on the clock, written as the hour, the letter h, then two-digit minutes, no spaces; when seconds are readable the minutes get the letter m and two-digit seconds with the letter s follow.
5h18
